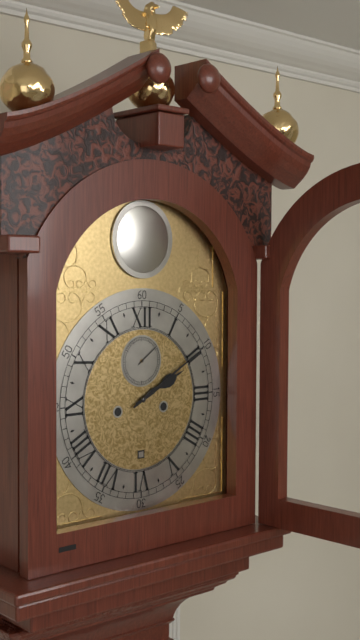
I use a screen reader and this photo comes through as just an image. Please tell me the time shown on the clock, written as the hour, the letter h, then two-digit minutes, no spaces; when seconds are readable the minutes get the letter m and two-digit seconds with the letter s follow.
2h10
